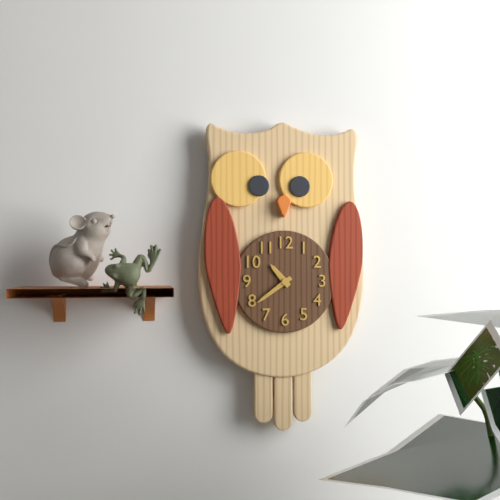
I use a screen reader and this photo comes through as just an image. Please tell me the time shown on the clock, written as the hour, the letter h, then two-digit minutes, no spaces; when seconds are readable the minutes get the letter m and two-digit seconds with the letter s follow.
10h39
